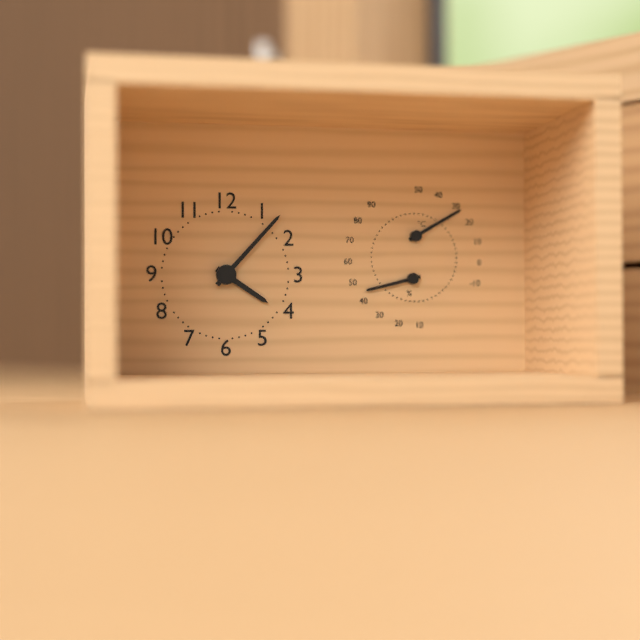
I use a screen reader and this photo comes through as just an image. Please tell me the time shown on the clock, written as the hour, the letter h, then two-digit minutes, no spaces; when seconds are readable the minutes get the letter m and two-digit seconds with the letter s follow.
4h07
